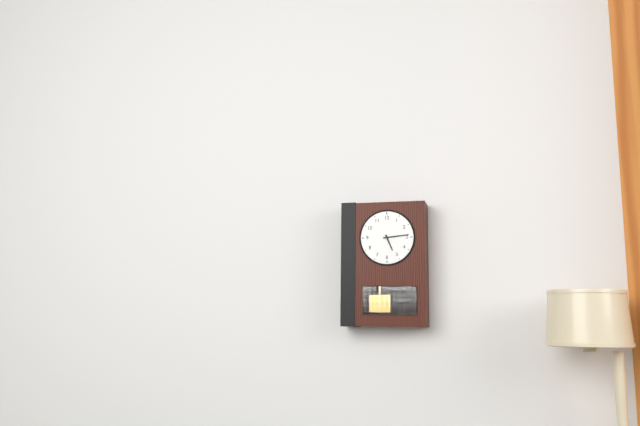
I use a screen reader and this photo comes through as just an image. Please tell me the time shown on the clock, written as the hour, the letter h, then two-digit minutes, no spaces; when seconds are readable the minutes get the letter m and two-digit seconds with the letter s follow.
5h14
